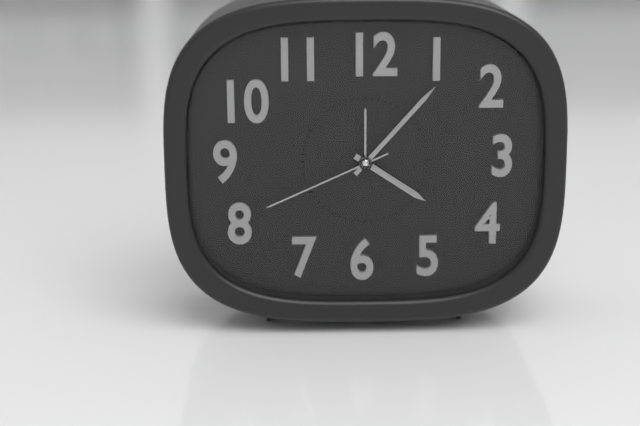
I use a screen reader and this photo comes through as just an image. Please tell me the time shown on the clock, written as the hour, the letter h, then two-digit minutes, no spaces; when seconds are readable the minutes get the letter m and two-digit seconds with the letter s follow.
4h07m41s
